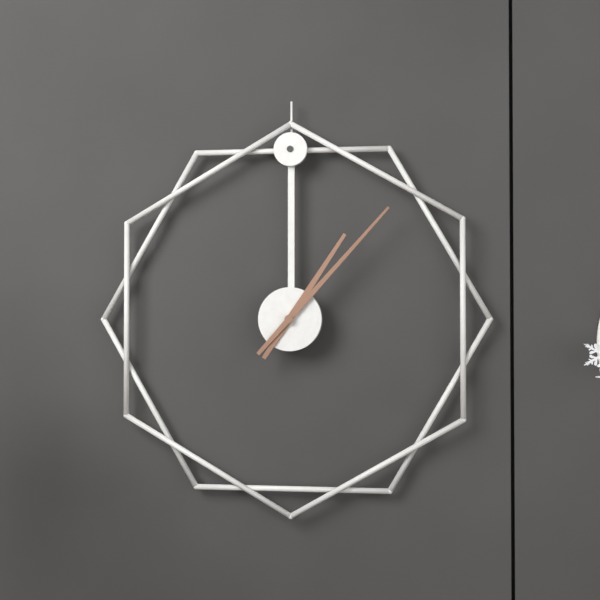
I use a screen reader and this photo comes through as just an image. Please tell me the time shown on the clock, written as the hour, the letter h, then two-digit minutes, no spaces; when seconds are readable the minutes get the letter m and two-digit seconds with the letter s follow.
1h07
